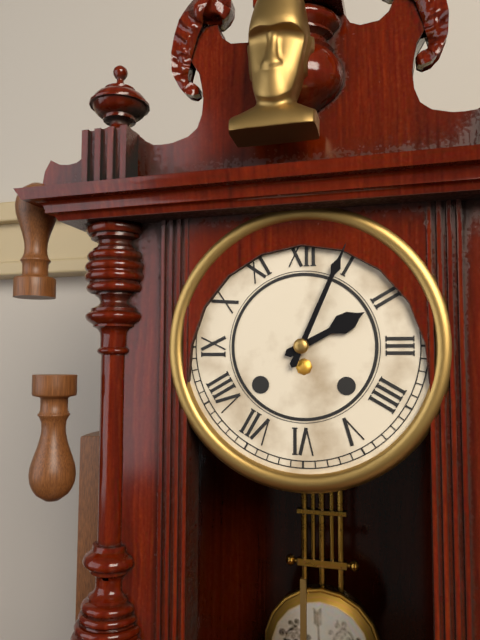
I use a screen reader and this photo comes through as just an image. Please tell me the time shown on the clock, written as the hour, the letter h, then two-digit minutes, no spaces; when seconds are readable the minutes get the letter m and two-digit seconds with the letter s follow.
2h04
